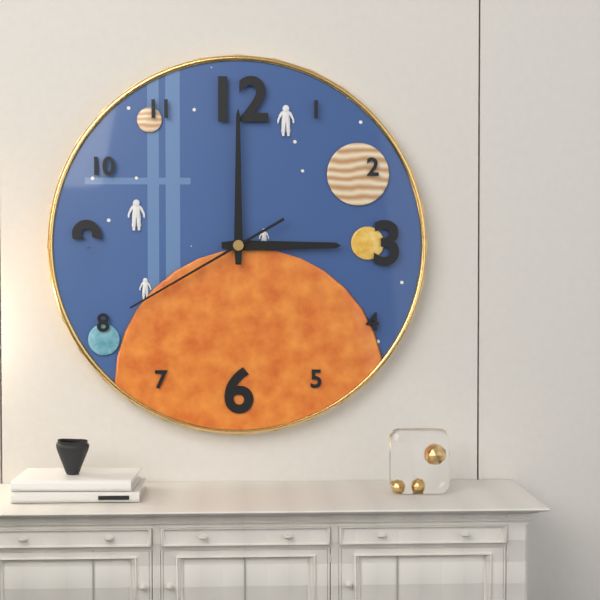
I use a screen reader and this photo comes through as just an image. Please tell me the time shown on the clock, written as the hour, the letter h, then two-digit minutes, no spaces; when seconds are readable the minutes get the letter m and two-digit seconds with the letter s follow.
3h00m40s
